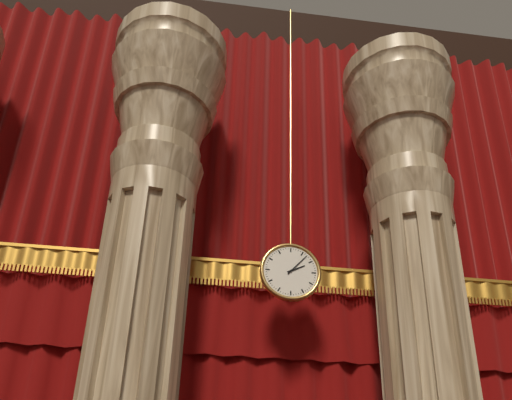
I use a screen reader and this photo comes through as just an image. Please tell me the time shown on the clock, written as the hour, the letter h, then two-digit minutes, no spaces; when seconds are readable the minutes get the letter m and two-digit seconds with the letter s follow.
2h07
